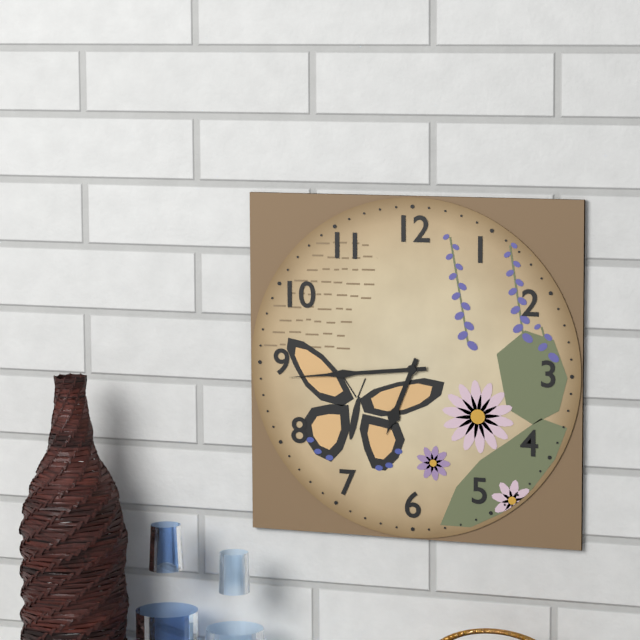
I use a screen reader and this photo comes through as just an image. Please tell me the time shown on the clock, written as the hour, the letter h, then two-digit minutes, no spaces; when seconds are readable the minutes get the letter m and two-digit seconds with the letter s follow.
6h44
